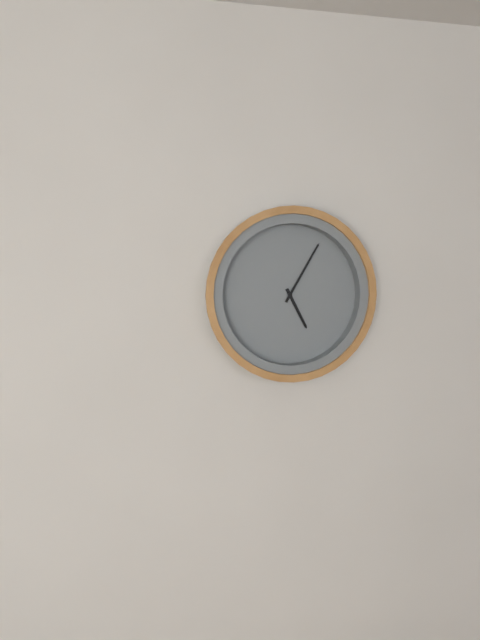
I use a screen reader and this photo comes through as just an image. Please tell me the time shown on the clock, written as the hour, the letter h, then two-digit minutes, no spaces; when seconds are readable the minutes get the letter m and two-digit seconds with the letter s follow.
5h05
